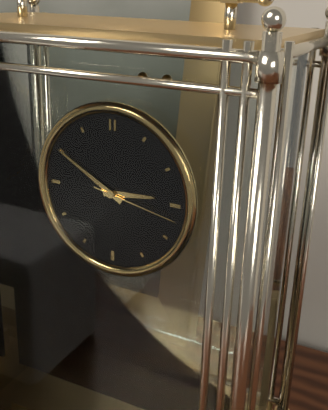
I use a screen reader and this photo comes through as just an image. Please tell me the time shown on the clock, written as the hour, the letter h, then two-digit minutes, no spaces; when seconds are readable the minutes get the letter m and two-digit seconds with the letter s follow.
2h50m17s
